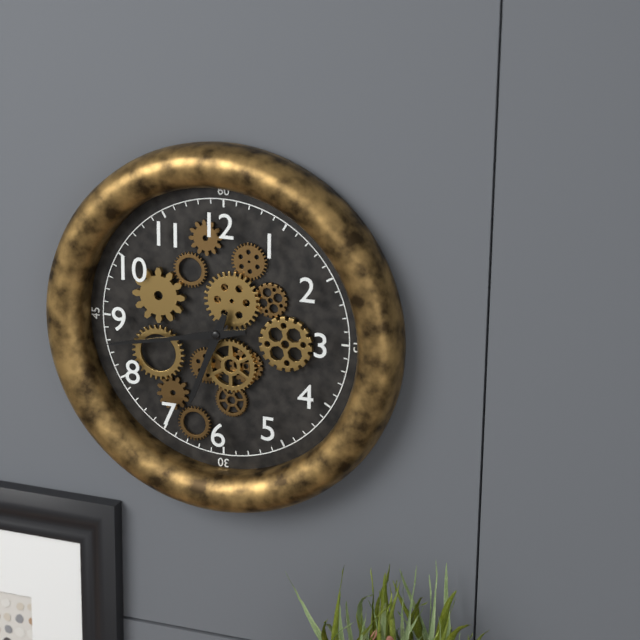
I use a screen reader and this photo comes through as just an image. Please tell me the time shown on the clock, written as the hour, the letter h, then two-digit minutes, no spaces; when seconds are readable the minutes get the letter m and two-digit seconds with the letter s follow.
6h43
